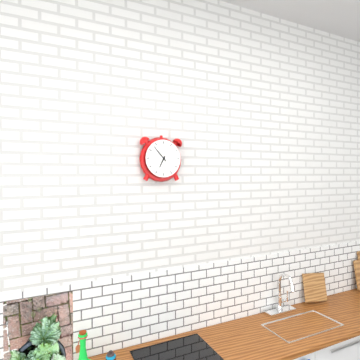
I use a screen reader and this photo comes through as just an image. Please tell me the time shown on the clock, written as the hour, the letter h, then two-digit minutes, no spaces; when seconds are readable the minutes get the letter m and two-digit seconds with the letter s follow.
6h53
